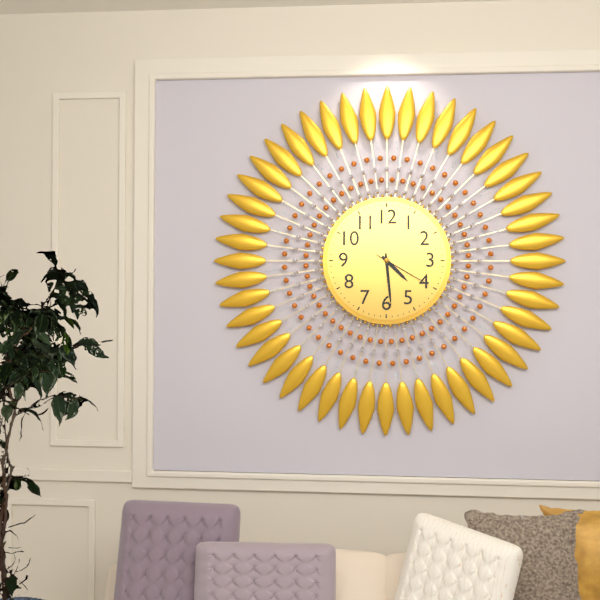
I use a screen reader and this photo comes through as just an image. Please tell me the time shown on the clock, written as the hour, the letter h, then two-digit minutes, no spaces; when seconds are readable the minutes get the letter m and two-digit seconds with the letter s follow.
4h29m20s
